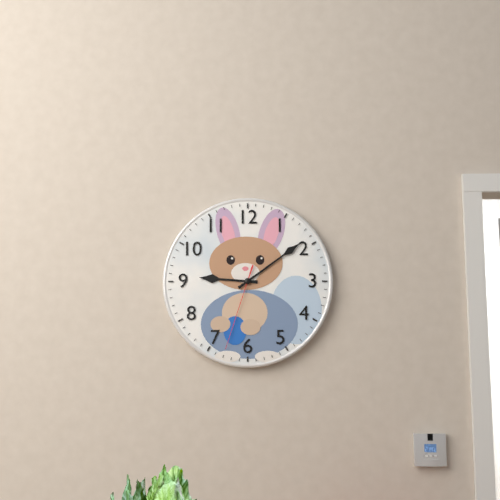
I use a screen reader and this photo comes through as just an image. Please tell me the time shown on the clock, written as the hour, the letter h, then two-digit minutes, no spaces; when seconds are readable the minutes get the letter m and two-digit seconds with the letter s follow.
9h09m33s
